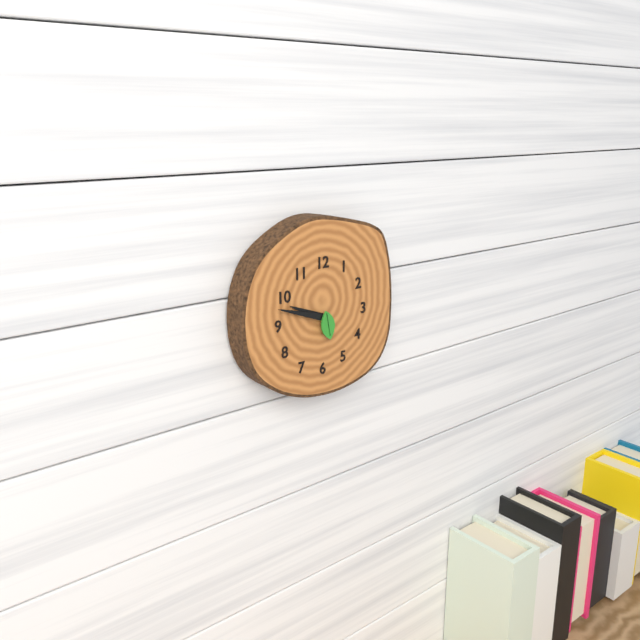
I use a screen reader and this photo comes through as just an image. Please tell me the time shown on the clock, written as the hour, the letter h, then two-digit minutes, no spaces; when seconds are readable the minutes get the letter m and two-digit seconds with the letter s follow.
9h48
